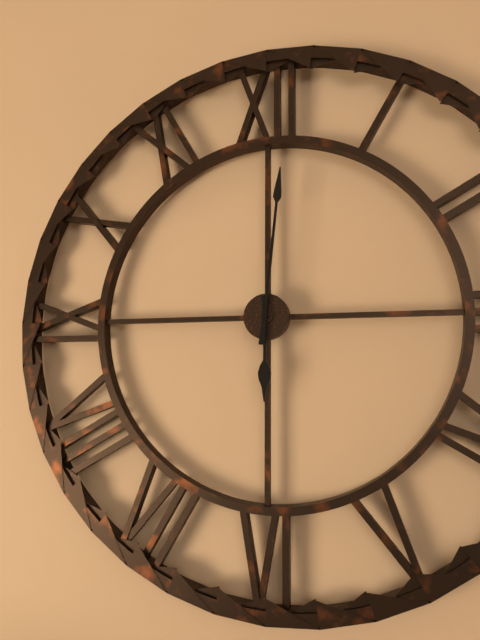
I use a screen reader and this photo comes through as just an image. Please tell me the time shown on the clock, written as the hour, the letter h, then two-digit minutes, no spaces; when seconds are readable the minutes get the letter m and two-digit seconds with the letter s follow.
6h01
